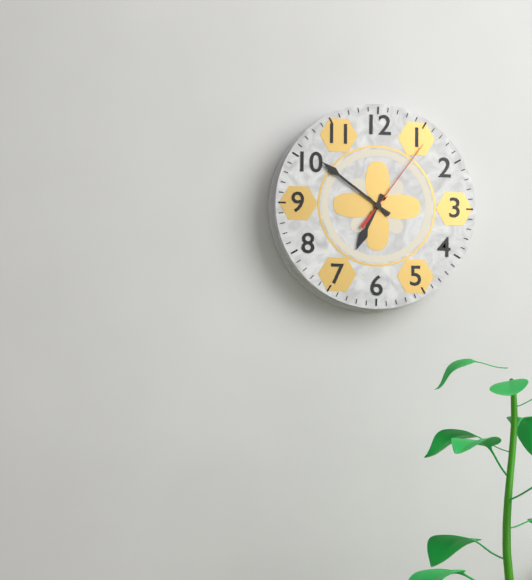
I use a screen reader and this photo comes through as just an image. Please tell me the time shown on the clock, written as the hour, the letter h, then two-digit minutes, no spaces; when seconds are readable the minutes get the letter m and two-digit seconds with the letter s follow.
6h51m06s
